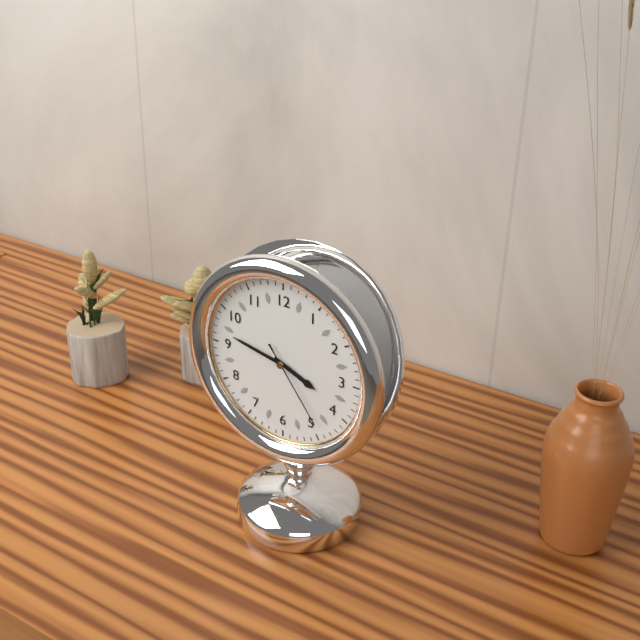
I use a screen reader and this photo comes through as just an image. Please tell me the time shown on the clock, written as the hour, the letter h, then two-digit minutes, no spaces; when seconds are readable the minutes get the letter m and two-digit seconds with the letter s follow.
3h47m24s
